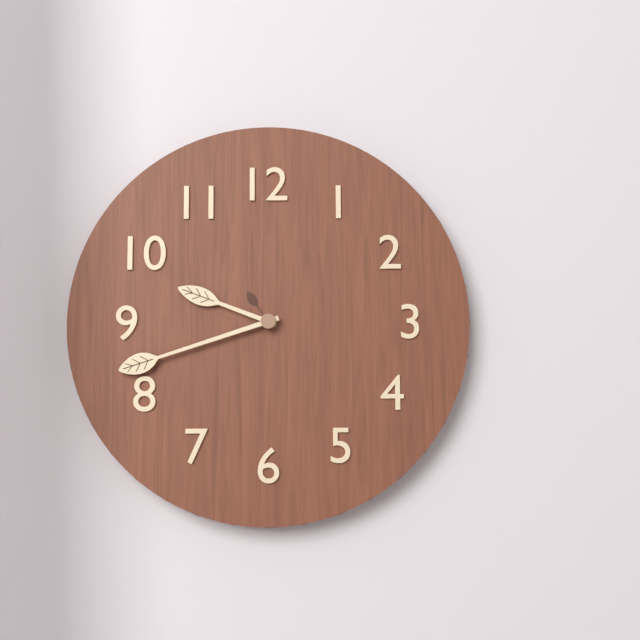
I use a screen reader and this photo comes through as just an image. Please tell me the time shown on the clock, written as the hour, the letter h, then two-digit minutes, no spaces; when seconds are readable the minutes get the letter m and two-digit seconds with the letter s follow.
9h42
